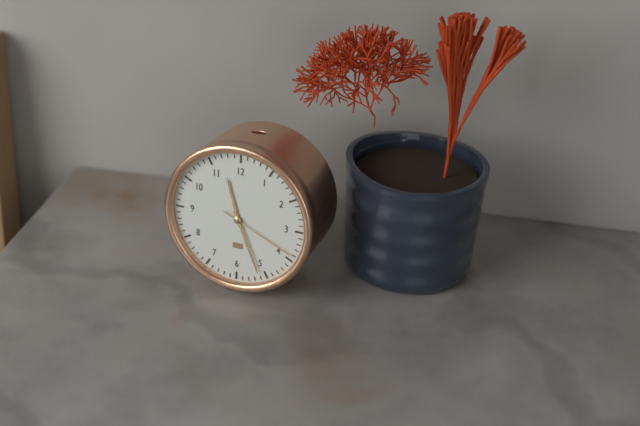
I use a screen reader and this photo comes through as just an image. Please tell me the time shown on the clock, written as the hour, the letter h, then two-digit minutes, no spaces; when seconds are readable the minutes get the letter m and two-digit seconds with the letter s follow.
11h26m19s
